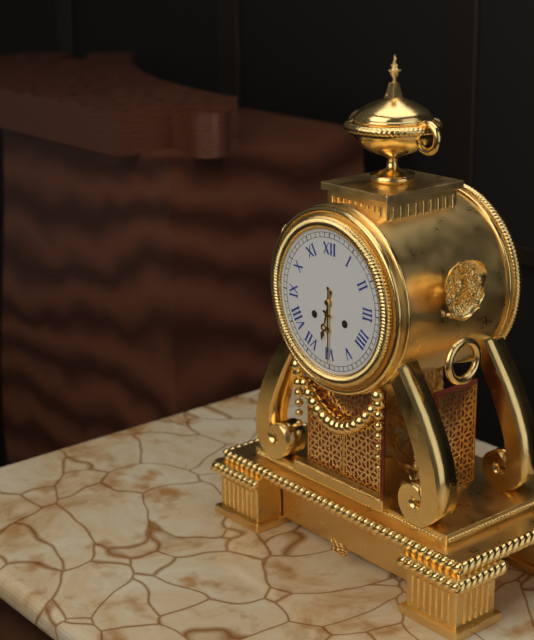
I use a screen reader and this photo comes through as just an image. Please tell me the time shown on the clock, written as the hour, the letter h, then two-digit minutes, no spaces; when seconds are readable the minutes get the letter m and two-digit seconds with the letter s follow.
6h30
